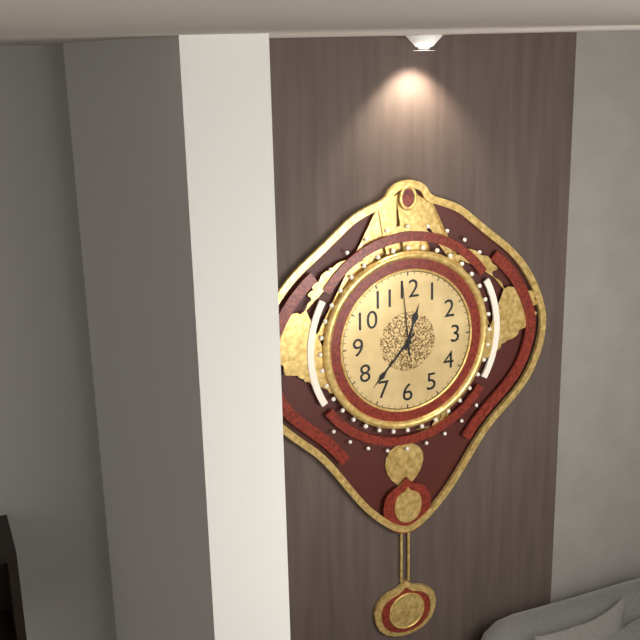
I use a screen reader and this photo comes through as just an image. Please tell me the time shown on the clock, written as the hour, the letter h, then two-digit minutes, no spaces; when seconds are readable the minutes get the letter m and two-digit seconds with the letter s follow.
12h37m59s
